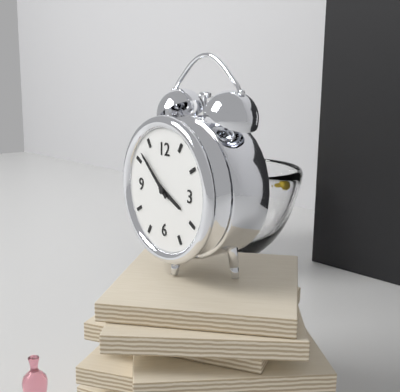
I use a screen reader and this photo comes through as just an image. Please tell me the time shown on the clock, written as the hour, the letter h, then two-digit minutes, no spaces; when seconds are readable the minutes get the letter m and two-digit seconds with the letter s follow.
3h52
